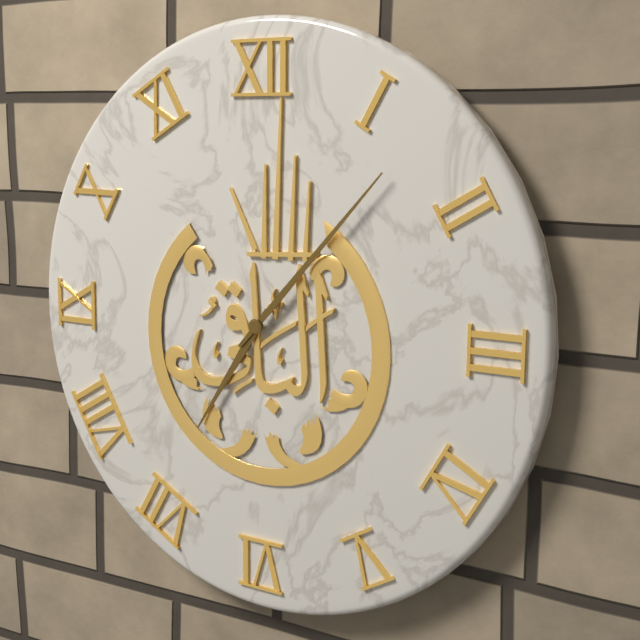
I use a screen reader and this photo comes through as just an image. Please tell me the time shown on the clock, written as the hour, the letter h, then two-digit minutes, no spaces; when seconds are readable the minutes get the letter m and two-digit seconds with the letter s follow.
7h07
